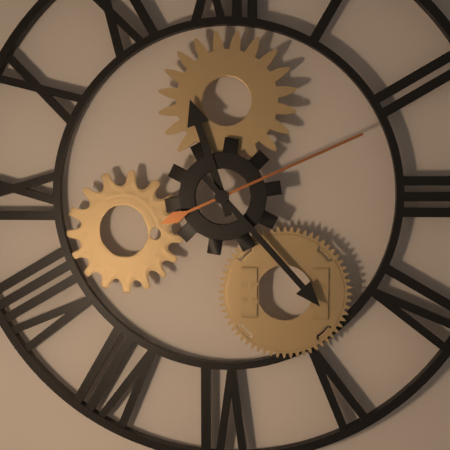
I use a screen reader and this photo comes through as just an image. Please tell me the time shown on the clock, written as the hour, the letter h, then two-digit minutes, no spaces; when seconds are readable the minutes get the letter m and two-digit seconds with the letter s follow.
11h23m11s
